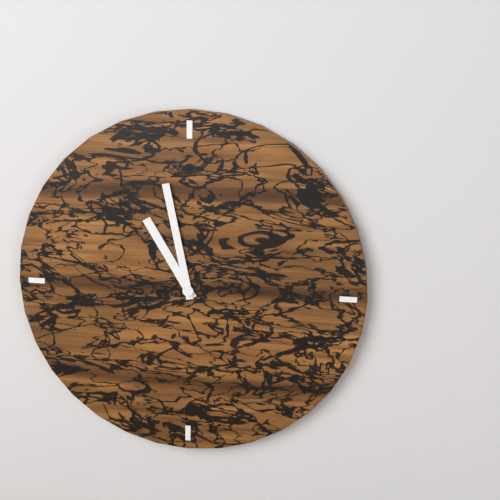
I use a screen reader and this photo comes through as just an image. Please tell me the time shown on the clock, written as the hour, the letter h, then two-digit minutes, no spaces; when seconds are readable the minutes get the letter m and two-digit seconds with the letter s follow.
10h58
